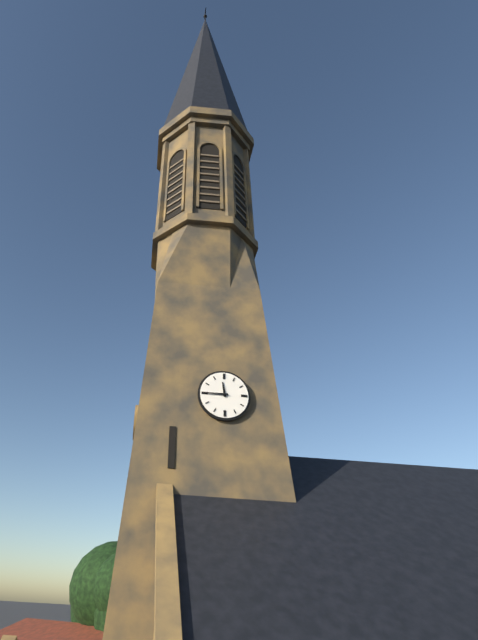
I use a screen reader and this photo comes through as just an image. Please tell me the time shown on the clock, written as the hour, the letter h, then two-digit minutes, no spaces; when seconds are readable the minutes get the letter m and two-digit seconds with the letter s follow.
11h45
